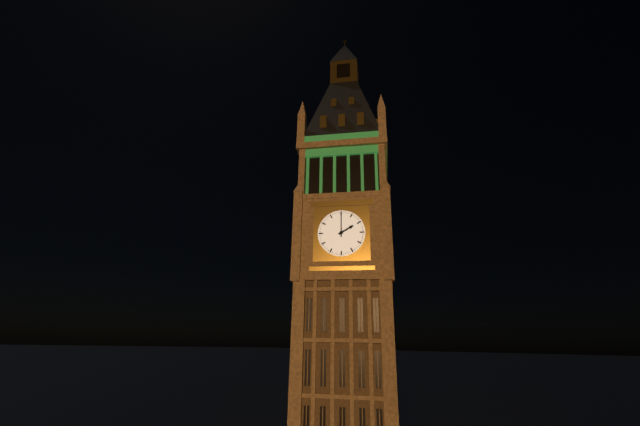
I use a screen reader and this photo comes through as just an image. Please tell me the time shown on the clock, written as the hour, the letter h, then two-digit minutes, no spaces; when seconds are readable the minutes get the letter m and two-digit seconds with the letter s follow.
2h00
